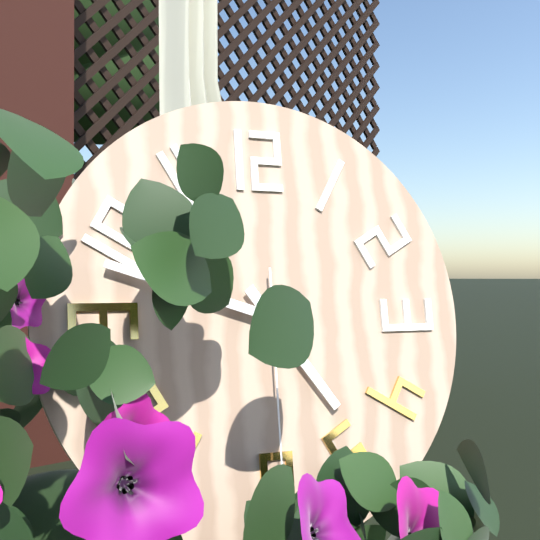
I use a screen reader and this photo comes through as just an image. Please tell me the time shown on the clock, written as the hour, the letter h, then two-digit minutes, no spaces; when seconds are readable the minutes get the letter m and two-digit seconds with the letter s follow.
4h48m30s
